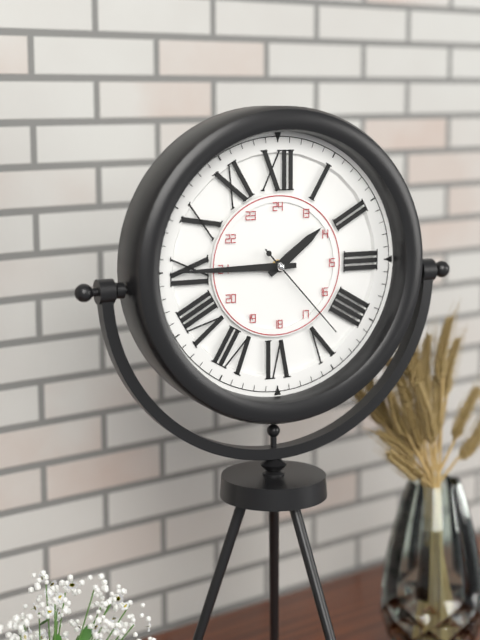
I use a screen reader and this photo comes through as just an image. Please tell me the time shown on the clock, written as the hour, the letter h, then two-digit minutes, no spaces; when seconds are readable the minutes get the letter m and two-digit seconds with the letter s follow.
1h45m23s
